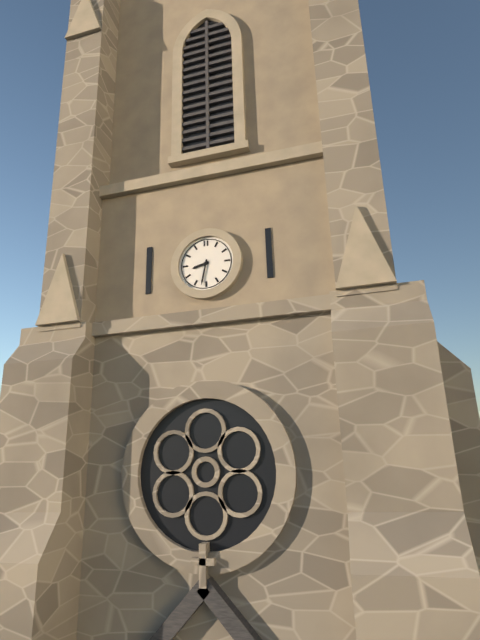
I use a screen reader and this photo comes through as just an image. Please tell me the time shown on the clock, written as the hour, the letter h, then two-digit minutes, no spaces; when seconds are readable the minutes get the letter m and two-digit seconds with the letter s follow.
8h32
